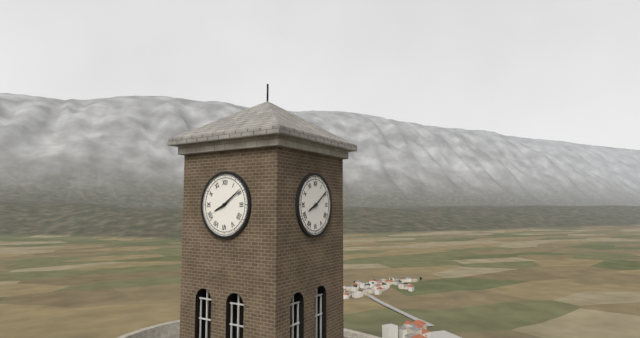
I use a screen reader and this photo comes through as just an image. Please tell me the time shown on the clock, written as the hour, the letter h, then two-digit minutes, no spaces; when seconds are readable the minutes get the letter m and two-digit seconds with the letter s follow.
8h09
